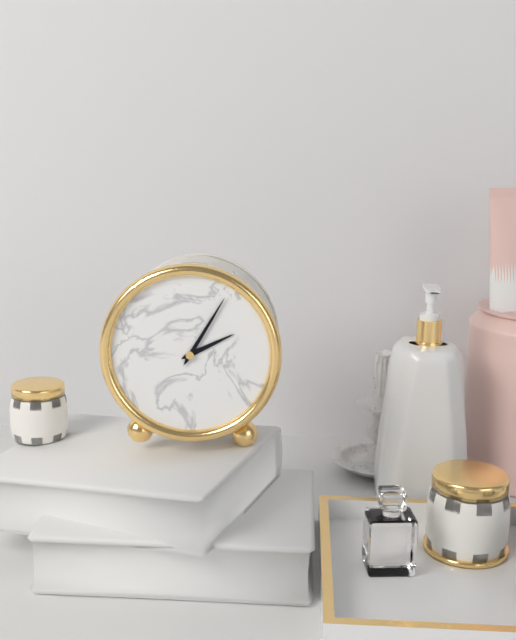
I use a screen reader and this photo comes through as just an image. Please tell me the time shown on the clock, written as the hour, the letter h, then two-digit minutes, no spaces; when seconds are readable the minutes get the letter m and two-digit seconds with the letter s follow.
2h05
